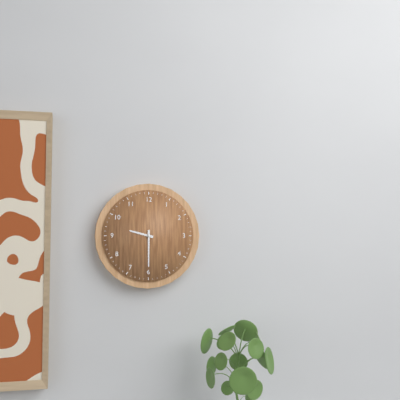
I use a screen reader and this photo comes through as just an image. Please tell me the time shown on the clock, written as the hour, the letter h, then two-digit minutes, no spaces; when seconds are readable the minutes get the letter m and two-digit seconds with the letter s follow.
9h30
